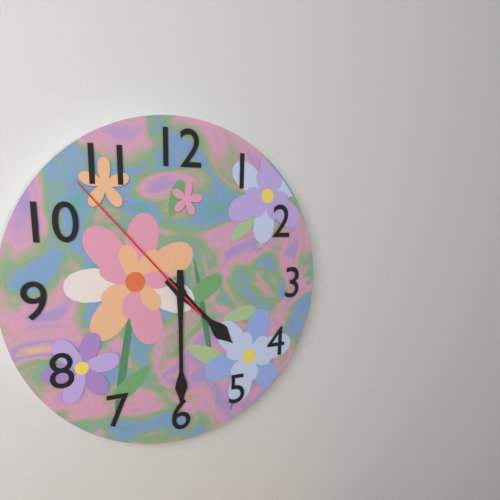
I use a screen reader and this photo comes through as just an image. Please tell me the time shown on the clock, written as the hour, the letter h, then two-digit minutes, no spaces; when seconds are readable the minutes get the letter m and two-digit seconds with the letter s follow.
4h30m53s
